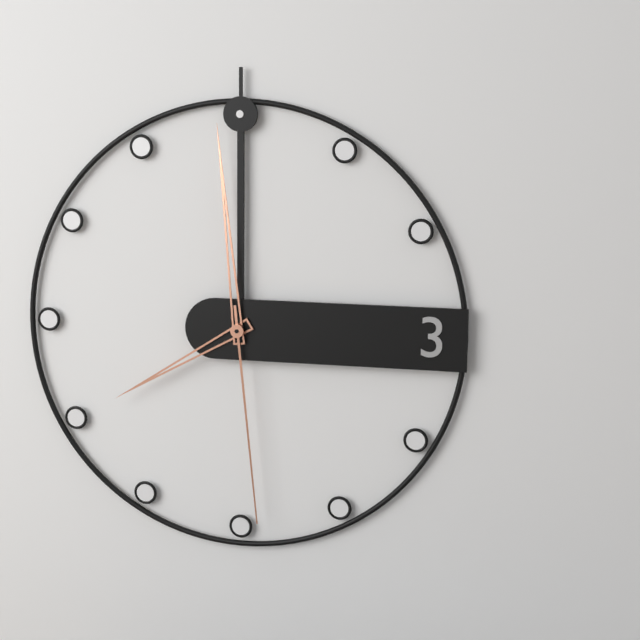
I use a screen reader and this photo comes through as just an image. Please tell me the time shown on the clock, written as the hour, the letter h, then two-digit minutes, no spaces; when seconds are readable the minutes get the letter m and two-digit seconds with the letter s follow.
7h59m29s
